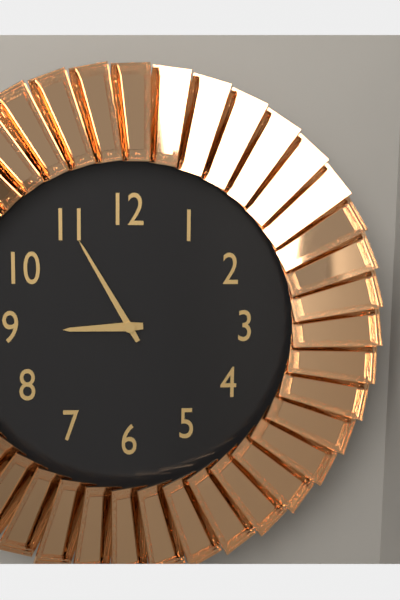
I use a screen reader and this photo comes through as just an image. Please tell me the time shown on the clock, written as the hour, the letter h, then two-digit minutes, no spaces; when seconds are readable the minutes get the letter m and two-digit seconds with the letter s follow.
8h55
